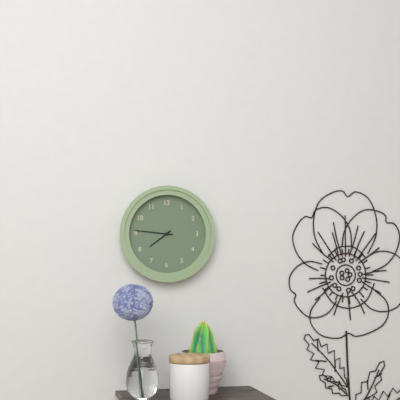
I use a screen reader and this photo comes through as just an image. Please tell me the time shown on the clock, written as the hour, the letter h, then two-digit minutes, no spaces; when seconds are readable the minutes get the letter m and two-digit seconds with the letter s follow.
7h46
